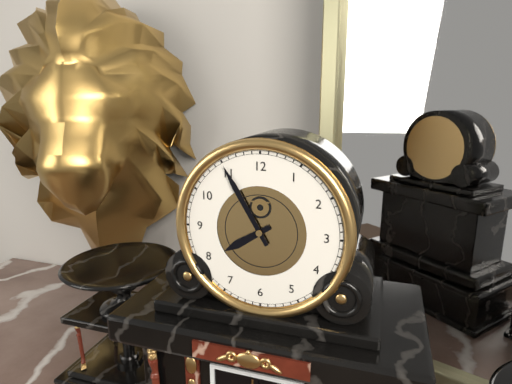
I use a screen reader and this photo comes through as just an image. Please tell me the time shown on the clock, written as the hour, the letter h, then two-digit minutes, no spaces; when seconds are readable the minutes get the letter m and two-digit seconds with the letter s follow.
7h55
